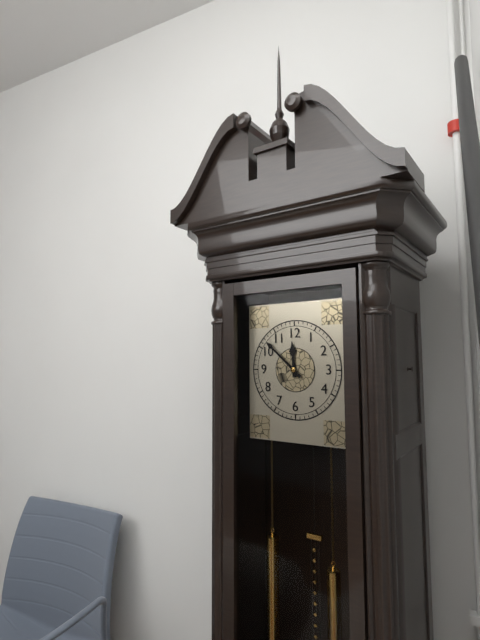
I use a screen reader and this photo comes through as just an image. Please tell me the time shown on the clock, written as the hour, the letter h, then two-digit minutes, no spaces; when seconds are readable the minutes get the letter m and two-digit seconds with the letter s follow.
11h52
